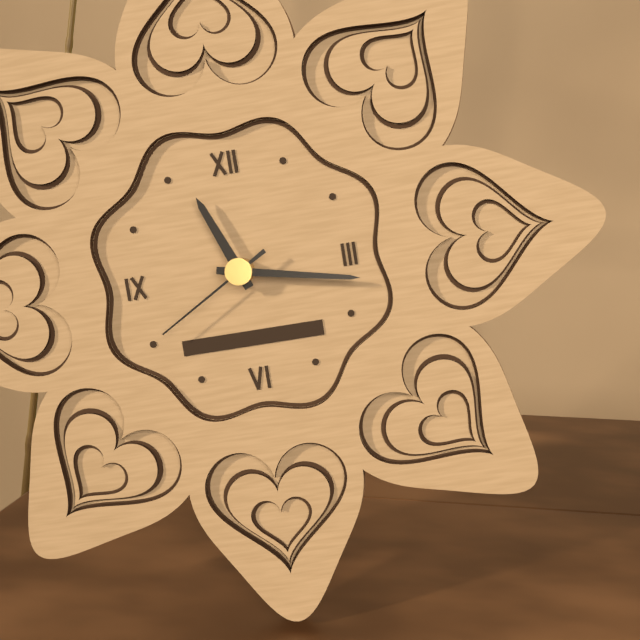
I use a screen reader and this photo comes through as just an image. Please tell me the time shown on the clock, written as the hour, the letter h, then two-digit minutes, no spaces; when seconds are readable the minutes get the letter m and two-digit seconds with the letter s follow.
11h17m40s
